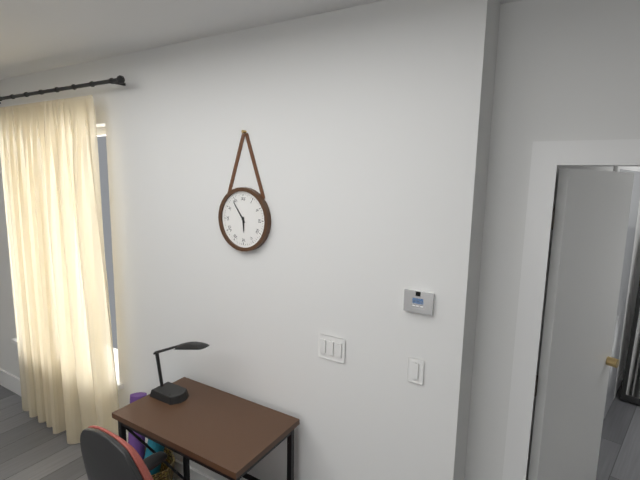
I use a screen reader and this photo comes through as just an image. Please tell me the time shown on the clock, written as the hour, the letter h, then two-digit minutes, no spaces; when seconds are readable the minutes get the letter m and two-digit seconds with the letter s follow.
5h54
